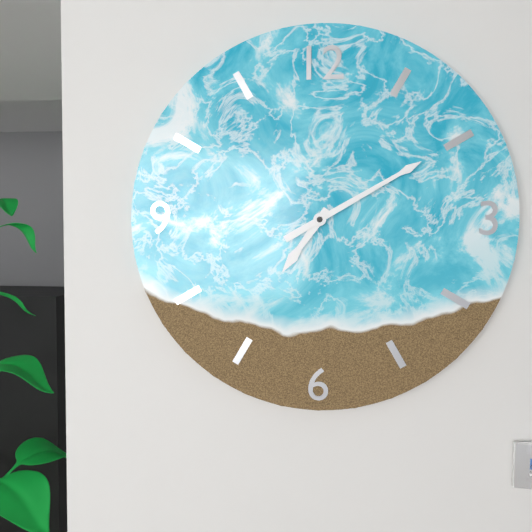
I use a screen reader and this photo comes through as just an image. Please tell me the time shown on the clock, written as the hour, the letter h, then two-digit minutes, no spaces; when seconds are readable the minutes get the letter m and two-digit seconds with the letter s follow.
7h10
